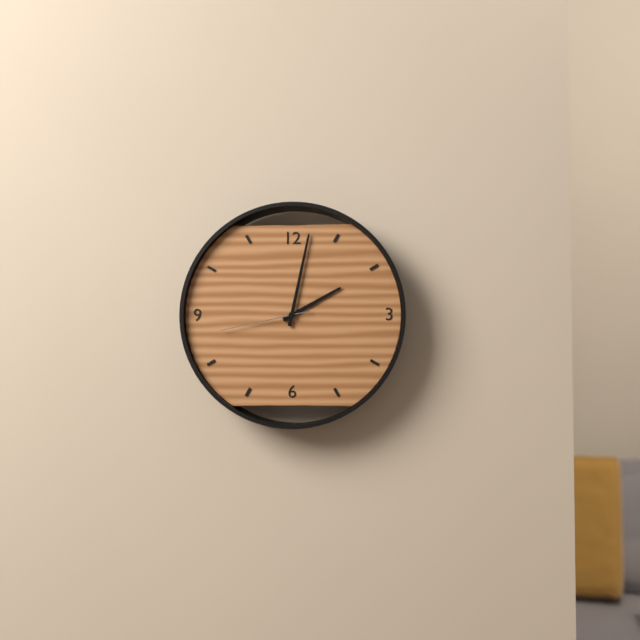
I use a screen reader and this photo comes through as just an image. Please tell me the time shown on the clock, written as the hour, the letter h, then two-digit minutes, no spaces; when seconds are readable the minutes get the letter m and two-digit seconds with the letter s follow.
2h02m43s
